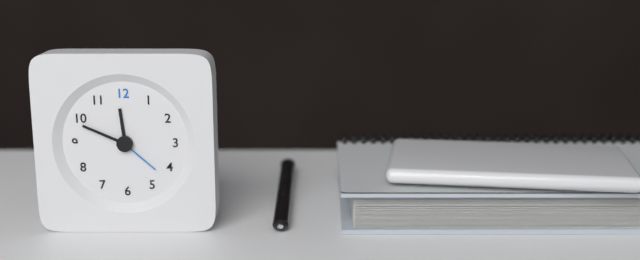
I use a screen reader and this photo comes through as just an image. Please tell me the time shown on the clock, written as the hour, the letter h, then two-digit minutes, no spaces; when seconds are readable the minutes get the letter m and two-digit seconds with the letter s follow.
11h49m22s
